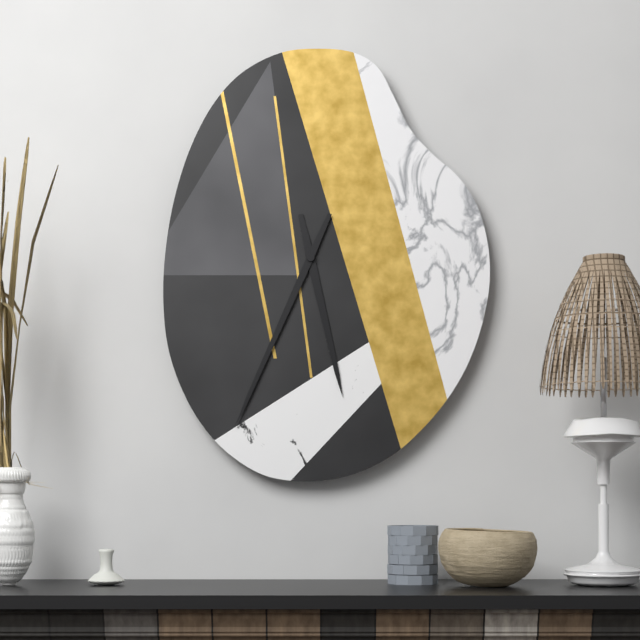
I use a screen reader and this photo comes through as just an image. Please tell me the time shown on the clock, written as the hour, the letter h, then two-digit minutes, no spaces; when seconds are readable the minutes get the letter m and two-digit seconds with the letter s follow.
5h34
